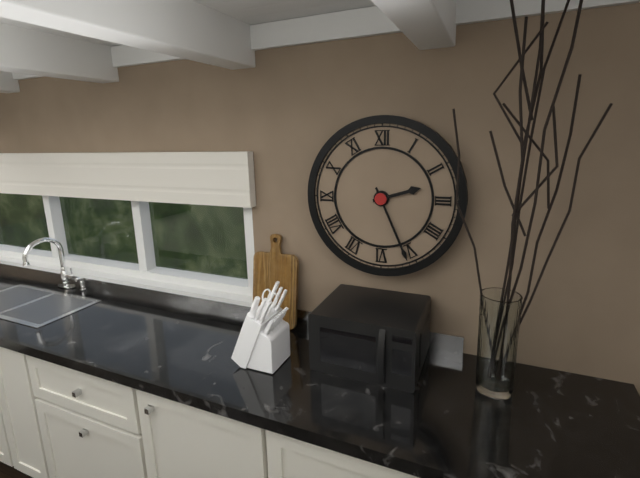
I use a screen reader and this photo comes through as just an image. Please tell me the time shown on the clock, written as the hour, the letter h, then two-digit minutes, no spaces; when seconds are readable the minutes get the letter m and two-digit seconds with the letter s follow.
2h26
